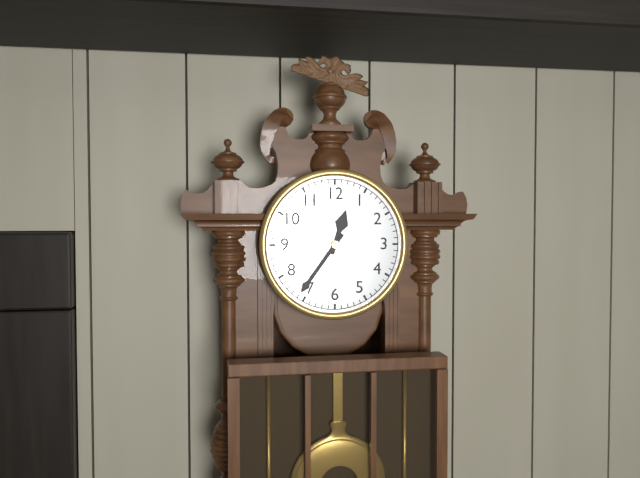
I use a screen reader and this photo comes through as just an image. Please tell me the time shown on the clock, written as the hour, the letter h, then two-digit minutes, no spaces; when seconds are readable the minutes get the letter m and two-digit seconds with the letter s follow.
12h36
